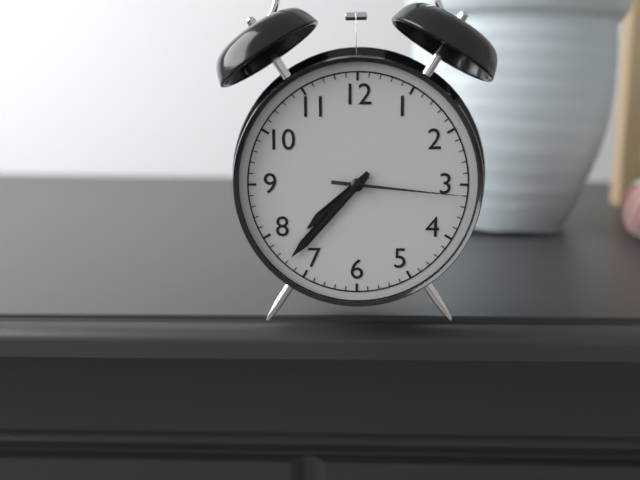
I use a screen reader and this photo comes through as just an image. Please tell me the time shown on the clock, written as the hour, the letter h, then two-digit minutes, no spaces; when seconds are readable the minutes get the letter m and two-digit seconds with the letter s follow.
7h37m16s
